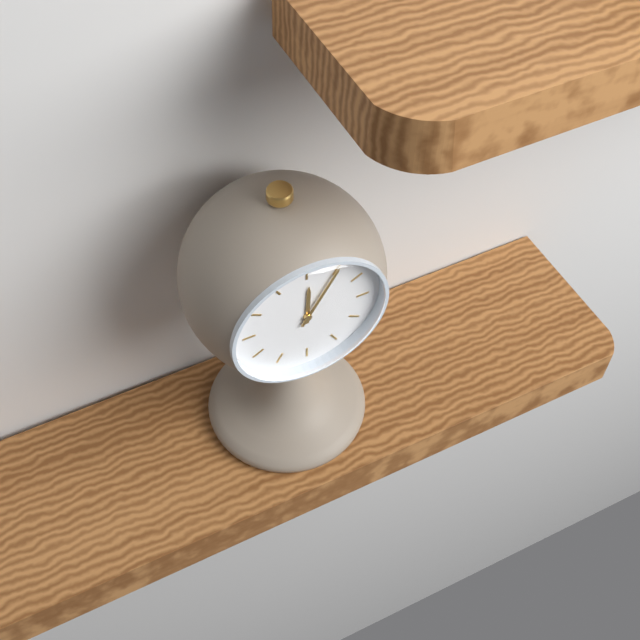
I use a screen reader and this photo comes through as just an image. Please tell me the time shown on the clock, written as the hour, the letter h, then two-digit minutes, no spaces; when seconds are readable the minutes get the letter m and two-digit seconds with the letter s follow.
12h05
